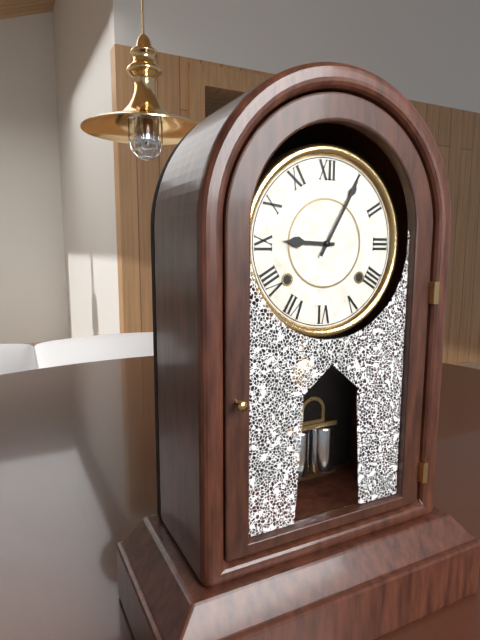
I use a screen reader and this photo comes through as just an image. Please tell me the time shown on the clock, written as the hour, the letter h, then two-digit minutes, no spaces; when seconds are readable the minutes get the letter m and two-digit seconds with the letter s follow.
9h05
